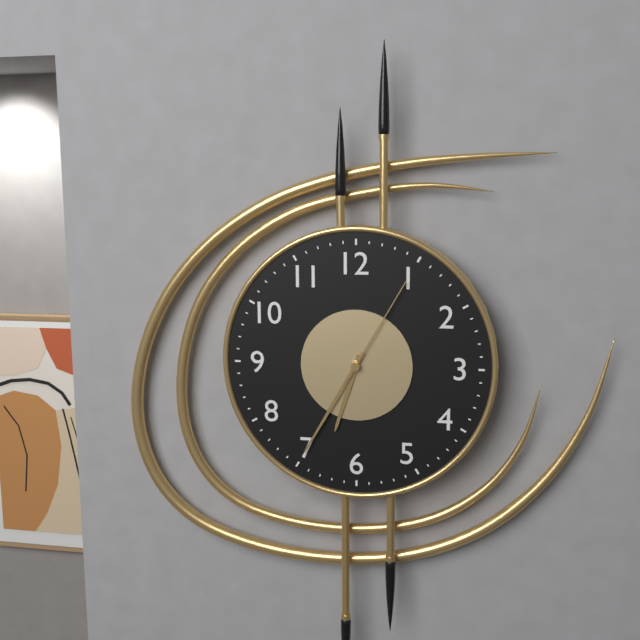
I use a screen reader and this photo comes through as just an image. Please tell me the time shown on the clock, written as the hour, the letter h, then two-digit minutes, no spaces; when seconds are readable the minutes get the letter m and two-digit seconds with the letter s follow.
6h35m05s
